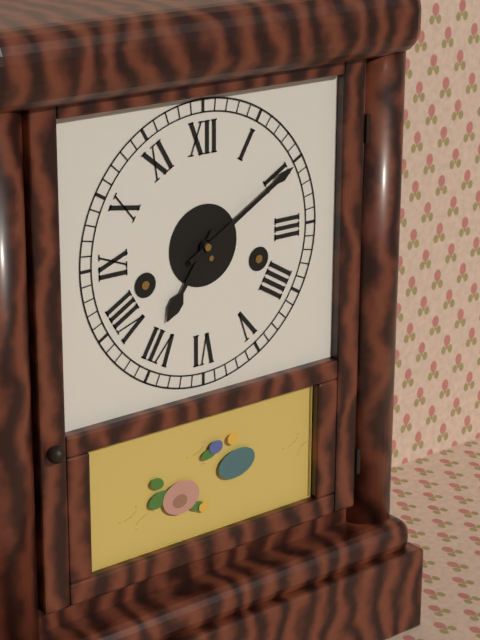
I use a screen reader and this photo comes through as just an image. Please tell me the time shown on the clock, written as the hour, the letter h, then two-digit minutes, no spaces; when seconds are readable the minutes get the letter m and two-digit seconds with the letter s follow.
7h10
